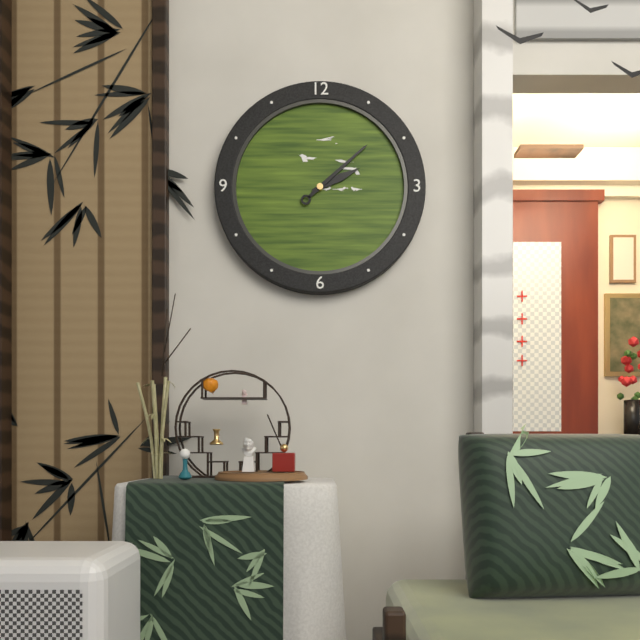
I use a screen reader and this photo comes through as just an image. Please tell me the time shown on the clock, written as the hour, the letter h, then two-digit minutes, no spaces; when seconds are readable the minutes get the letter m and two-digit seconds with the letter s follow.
2h08
